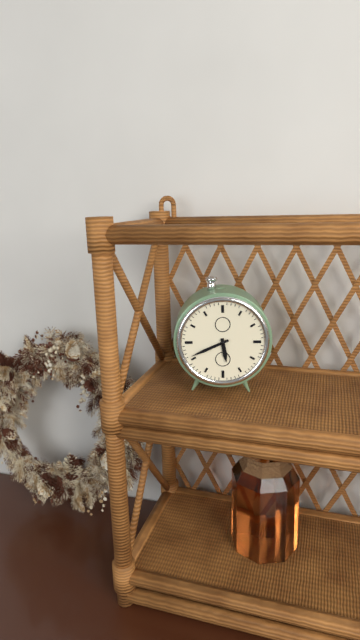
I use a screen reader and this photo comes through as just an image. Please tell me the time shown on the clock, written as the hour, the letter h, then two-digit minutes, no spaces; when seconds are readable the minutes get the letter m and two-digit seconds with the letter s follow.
5h41
